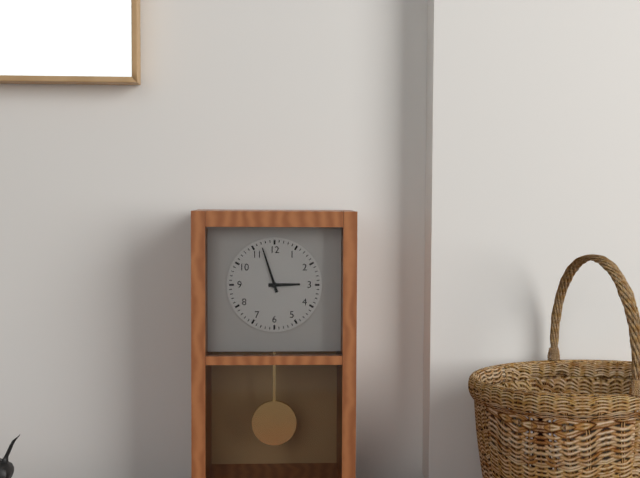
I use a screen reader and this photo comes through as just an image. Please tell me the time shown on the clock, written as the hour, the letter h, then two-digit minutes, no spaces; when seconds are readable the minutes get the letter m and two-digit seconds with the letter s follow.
2h57
